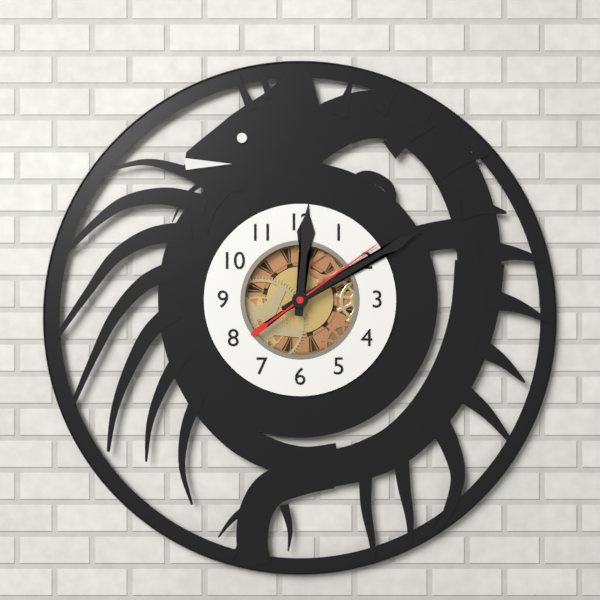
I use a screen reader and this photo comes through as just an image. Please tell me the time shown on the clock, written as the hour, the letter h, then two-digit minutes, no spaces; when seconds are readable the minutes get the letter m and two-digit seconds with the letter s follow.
12h10m09s
